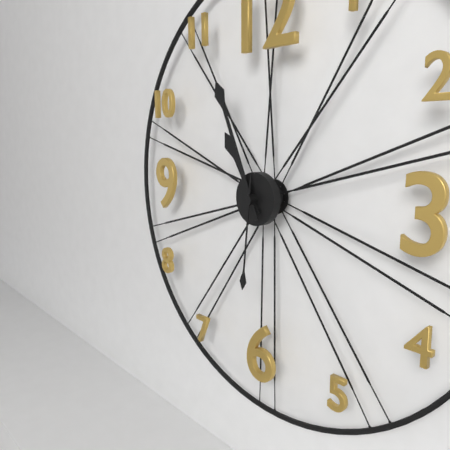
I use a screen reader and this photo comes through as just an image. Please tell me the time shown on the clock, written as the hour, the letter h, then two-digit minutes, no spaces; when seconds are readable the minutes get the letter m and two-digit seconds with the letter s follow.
10h56m31s
